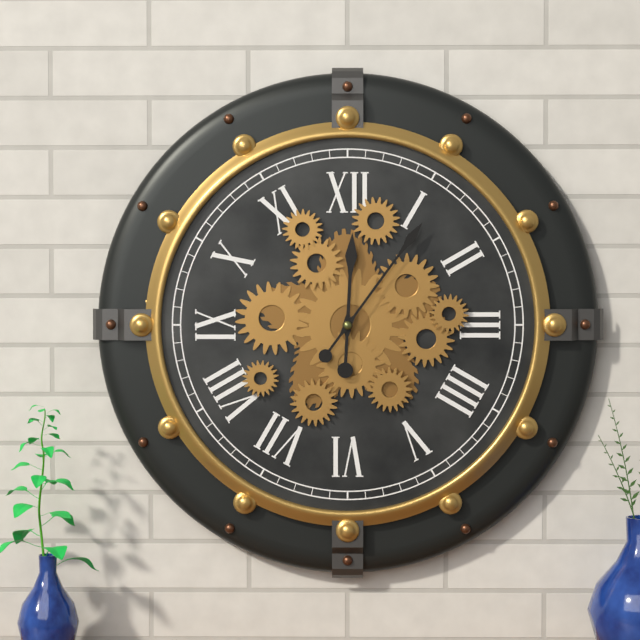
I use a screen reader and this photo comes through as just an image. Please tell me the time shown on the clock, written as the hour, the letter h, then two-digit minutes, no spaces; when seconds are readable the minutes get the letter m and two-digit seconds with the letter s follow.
12h06
